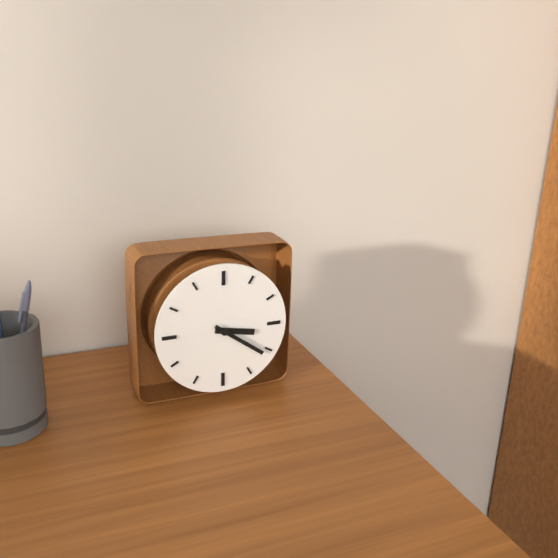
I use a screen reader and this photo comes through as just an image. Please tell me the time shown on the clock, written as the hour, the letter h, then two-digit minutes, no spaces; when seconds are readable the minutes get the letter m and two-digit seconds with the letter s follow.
3h21
